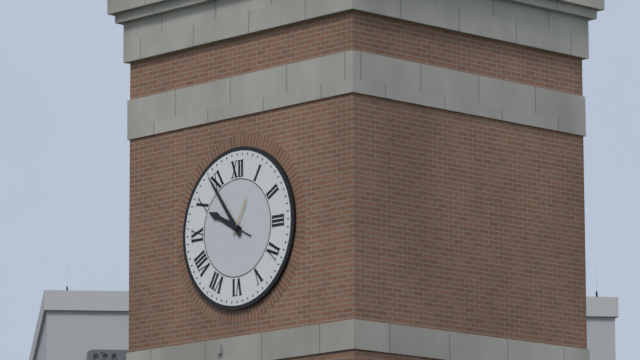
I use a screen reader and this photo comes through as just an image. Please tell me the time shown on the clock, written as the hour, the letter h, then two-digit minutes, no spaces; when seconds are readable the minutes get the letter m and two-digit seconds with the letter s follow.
9h54
